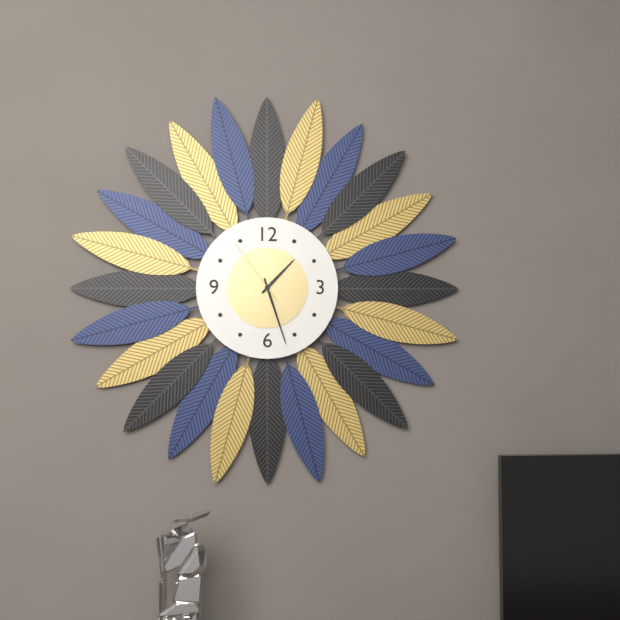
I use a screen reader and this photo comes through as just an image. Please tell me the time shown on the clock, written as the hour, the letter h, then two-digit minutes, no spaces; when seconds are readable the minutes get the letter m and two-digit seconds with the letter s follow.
1h27m54s
